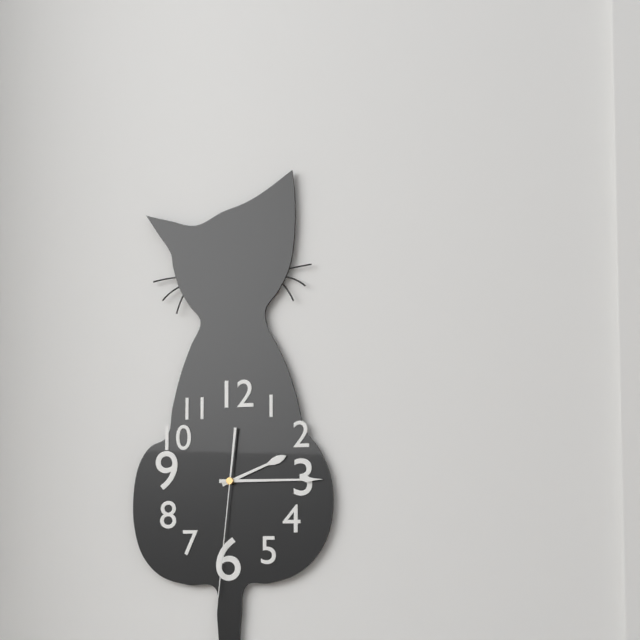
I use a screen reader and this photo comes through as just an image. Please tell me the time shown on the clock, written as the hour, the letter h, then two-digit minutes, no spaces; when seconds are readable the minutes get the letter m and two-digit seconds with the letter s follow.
2h15m31s
